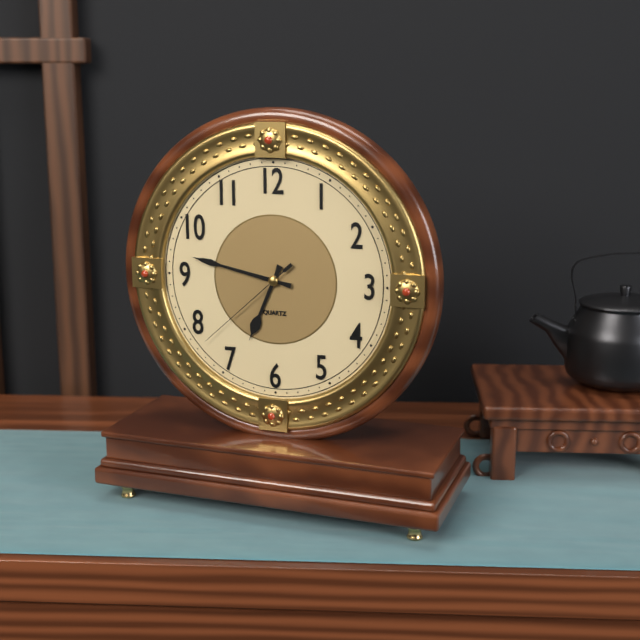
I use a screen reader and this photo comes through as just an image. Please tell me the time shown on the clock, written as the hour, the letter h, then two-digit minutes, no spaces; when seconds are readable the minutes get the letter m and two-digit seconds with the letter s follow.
6h47m38s
